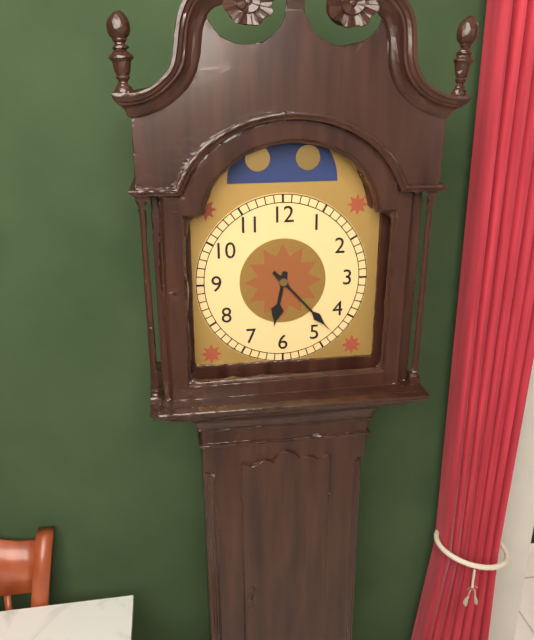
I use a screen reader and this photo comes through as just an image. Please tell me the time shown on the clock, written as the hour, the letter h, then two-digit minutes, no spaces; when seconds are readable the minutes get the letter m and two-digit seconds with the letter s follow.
6h23
